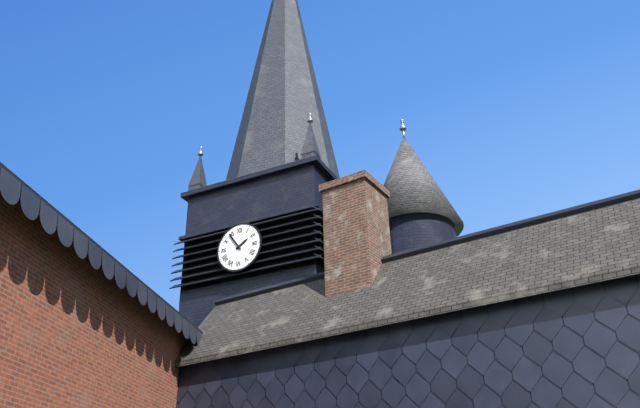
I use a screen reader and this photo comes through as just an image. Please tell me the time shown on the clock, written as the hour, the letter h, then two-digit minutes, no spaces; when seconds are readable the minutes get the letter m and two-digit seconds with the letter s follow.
1h54
